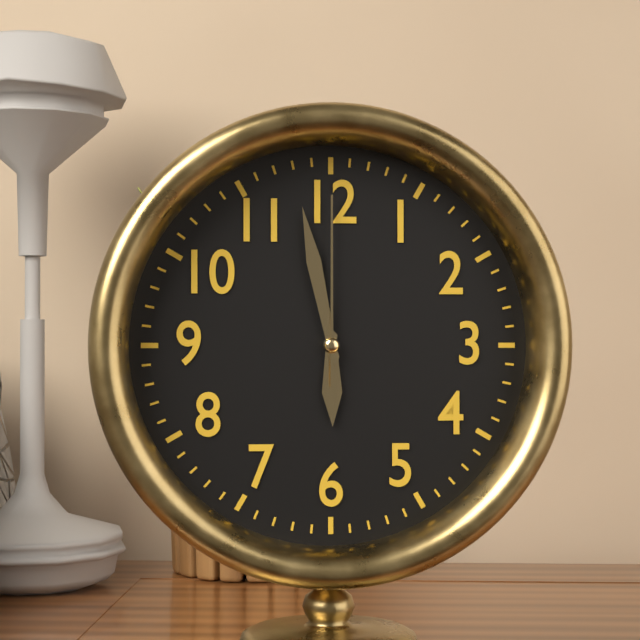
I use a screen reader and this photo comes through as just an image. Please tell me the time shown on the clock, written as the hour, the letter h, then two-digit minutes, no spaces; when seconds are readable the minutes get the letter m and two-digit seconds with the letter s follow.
5h58m00s
